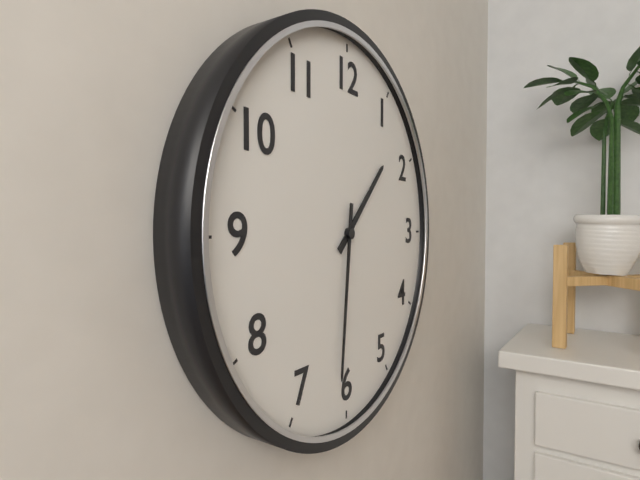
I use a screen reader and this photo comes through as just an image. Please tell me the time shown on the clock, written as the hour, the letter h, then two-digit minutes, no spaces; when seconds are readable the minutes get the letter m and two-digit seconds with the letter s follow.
1h31
